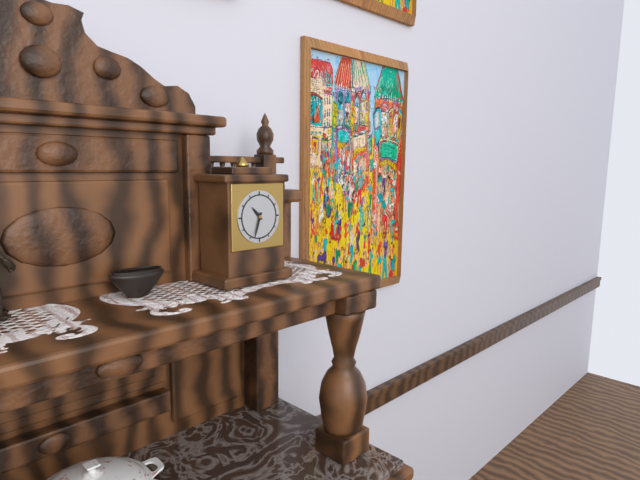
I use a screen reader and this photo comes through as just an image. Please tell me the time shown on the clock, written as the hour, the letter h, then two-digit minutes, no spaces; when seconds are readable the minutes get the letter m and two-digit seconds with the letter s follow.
10h33
